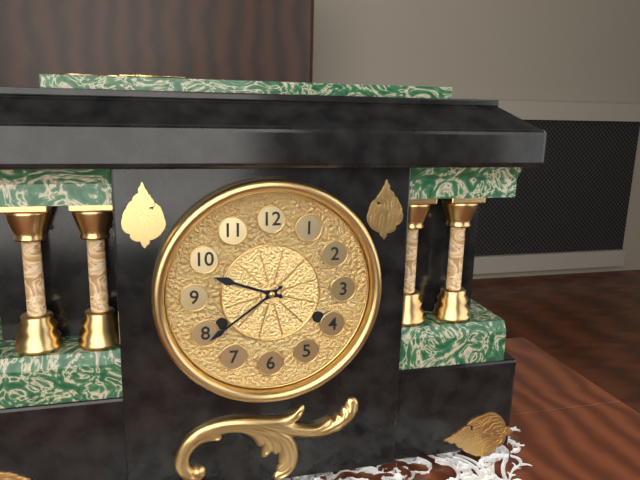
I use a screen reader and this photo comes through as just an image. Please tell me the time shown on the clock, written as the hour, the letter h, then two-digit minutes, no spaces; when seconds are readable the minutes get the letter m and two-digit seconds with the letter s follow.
9h39
